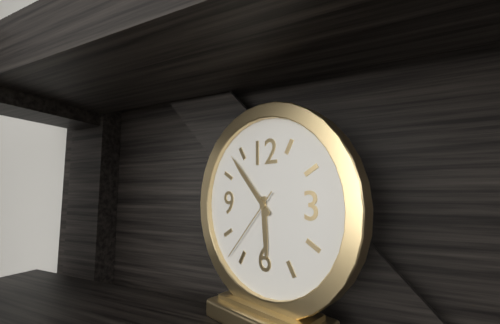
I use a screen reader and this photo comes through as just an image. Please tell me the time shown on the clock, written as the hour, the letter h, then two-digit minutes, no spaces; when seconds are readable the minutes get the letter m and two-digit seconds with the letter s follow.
5h53m37s
